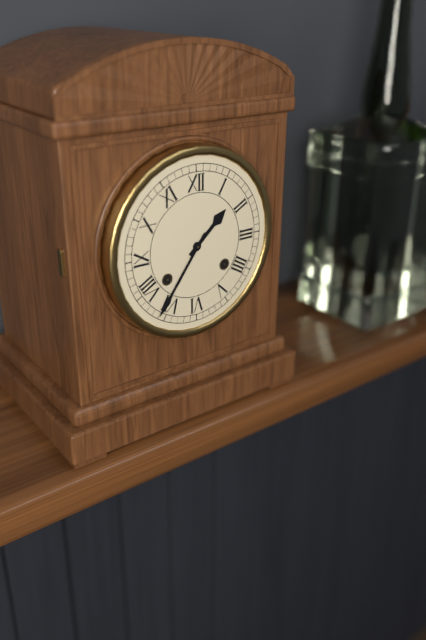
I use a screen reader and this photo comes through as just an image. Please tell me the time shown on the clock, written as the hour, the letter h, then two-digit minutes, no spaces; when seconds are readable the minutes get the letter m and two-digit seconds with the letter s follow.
1h36
